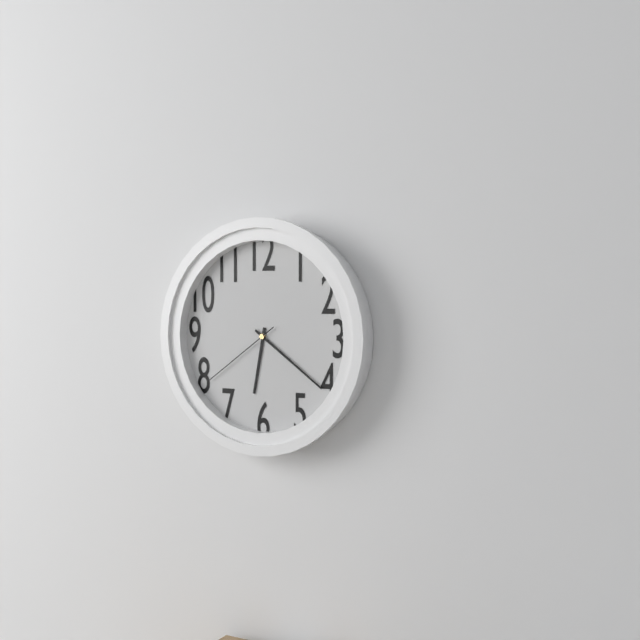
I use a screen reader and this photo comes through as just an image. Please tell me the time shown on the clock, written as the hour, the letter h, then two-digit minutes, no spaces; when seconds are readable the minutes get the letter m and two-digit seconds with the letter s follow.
6h21m39s
